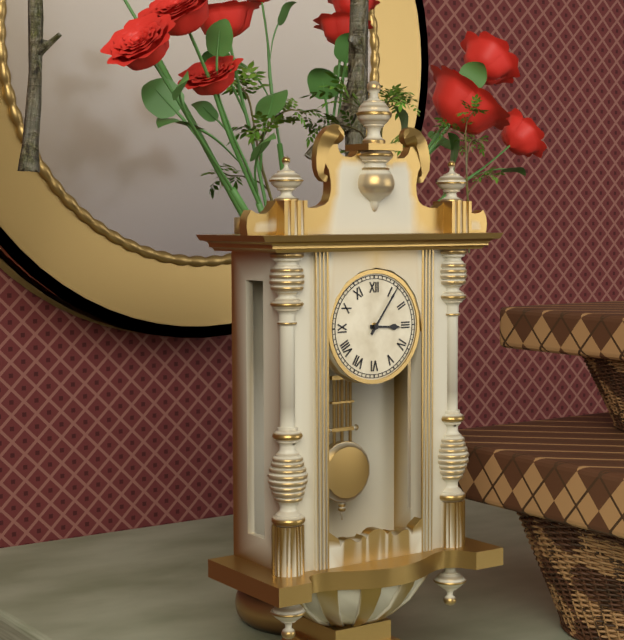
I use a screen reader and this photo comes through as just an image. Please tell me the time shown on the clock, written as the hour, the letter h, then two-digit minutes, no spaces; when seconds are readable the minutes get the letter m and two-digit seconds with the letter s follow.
3h06
